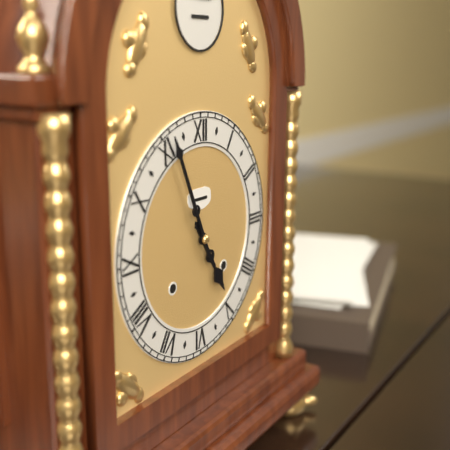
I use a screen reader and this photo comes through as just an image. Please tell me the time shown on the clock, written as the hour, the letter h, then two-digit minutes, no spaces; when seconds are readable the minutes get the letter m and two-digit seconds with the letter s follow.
4h56
